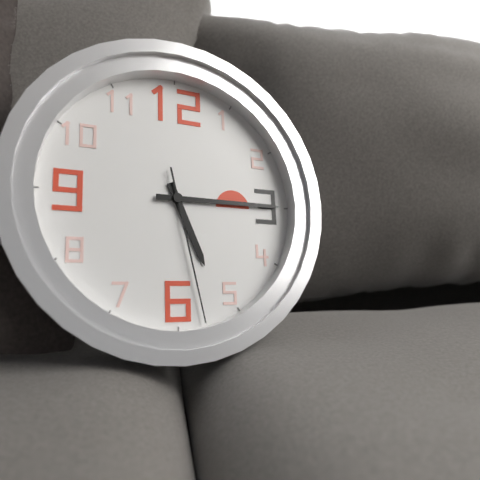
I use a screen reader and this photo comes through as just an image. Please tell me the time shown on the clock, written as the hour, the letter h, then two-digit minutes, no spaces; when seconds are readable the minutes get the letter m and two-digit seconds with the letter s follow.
5h15m28s
